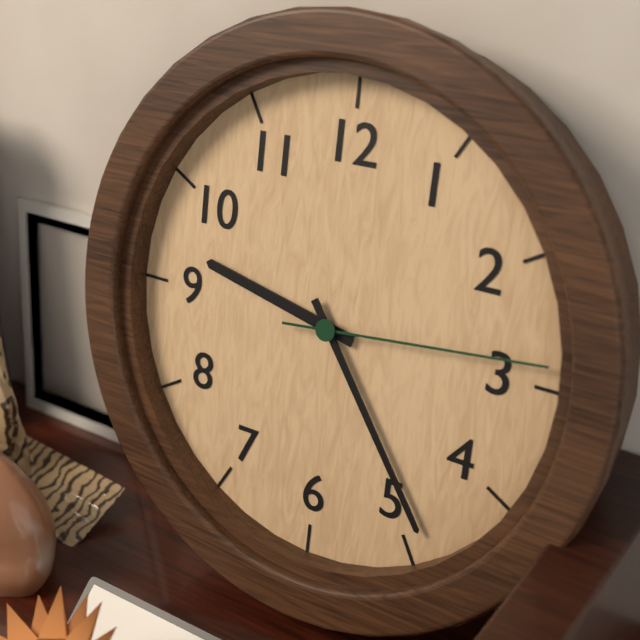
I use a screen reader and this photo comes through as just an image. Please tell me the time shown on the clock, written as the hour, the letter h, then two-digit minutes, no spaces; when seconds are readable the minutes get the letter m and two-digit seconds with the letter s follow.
9h24m14s
